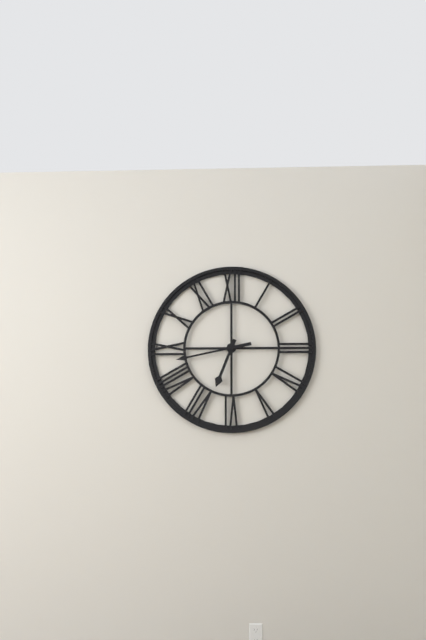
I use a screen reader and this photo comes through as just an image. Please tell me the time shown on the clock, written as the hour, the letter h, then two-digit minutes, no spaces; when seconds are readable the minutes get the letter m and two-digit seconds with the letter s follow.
6h43
